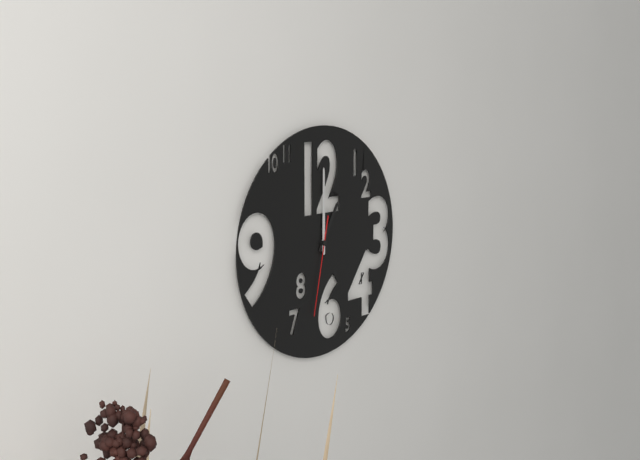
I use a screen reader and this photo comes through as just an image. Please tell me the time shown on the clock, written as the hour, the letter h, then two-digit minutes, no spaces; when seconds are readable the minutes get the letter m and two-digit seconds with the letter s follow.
1h00m32s
